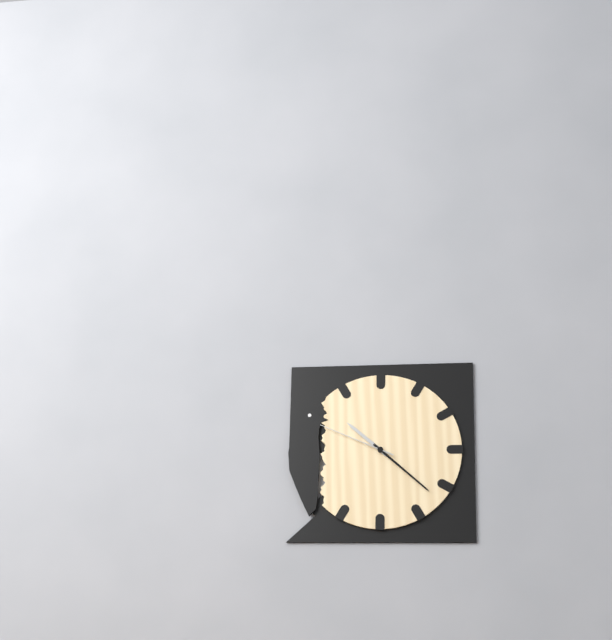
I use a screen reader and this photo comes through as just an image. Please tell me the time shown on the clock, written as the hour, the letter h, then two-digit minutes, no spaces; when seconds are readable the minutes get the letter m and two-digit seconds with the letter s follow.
10h22m49s
